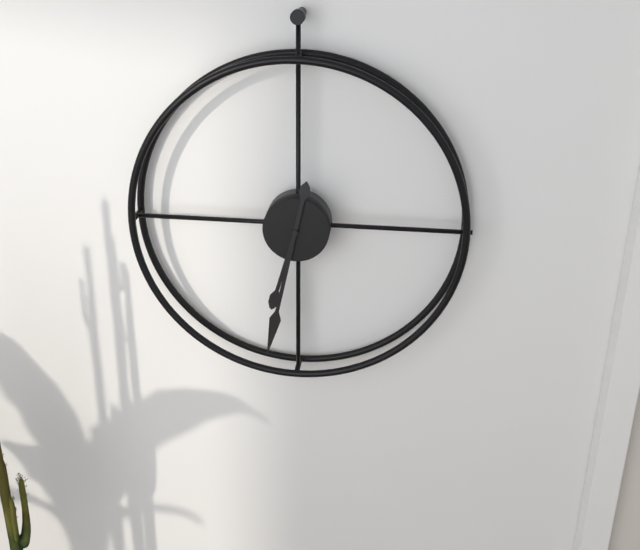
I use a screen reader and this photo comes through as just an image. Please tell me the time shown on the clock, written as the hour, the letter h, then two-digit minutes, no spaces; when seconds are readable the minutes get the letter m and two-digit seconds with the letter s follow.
6h32
